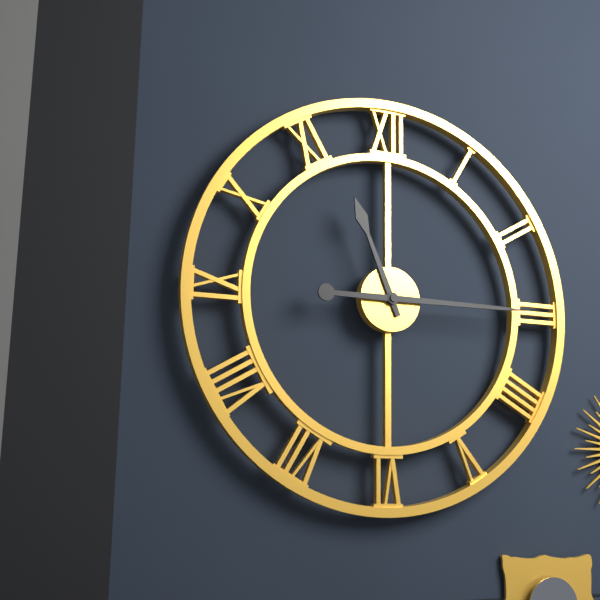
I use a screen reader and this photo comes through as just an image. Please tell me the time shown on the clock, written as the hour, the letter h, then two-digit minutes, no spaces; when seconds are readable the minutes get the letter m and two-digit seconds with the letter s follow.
11h15
